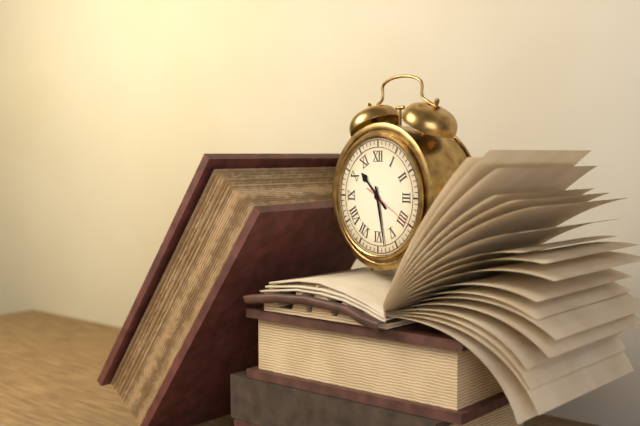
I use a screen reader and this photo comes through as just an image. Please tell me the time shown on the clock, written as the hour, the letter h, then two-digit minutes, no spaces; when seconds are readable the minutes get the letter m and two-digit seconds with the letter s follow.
10h28m20s
